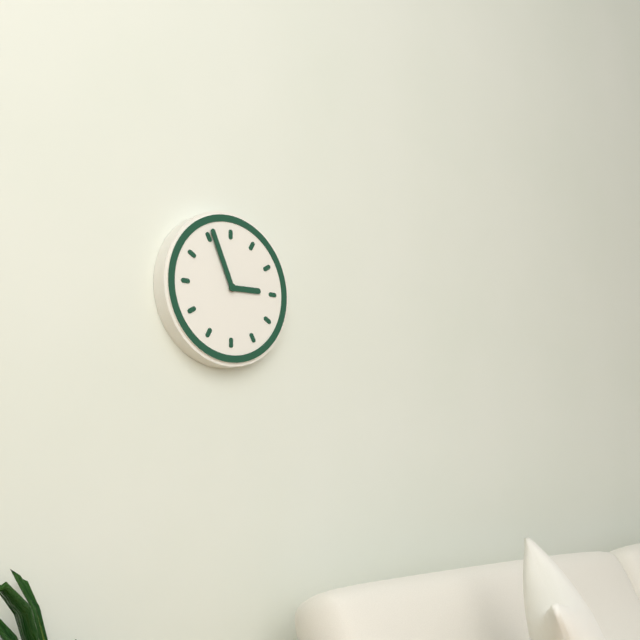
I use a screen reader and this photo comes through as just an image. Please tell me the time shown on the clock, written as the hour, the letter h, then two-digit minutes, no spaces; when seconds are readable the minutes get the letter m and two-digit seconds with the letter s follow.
2h56
